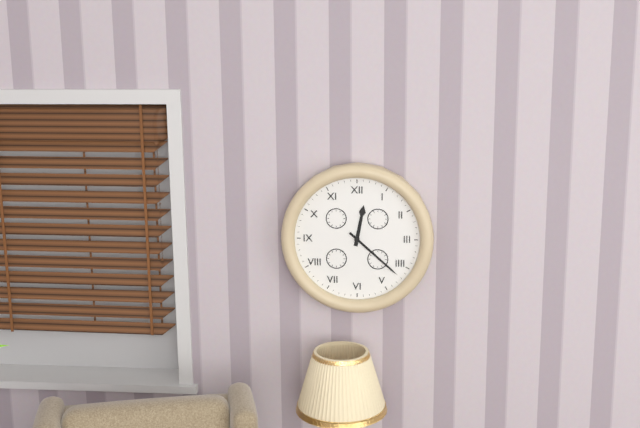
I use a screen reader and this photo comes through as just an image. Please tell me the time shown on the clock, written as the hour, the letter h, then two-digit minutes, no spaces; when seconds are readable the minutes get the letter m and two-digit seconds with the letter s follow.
12h22
